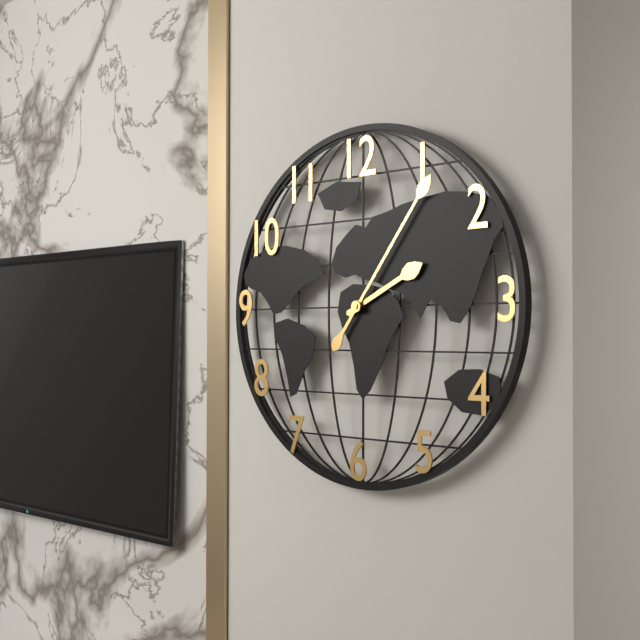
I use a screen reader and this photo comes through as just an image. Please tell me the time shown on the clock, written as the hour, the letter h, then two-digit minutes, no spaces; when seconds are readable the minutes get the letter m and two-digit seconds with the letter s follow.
2h06
